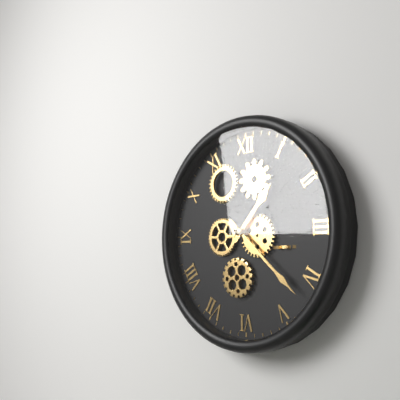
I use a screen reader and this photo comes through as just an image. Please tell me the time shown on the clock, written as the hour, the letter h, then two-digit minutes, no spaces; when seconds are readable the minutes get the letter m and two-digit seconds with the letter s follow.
1h22
